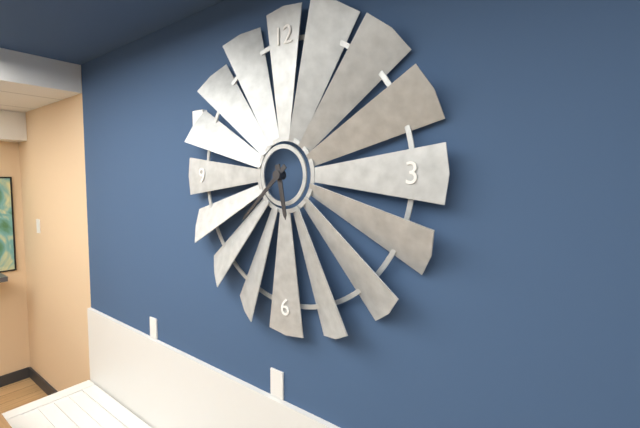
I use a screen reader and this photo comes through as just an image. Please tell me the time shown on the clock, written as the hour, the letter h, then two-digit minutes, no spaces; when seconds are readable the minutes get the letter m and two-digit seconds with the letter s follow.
5h38
